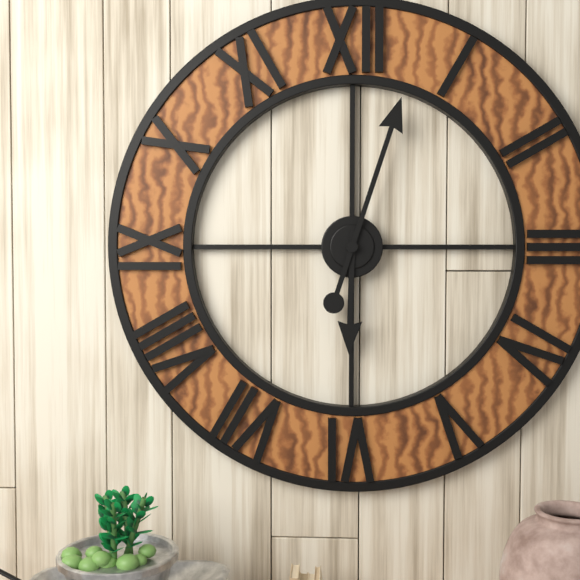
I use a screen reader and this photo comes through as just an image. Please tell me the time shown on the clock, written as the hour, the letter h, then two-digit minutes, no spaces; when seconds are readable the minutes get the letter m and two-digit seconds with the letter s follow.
6h03
